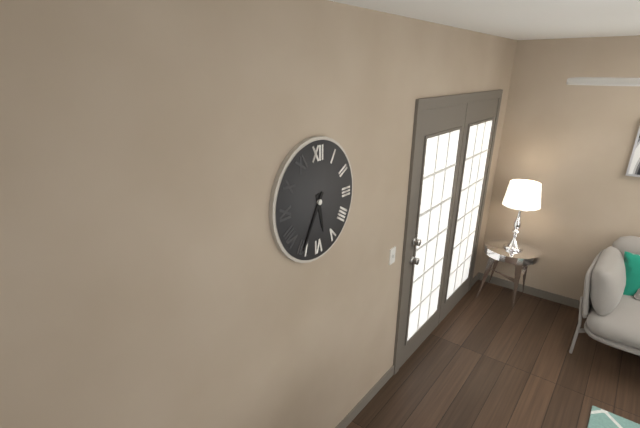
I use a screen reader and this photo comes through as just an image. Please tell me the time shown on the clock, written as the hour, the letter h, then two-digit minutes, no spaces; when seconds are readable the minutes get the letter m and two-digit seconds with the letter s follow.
5h35
